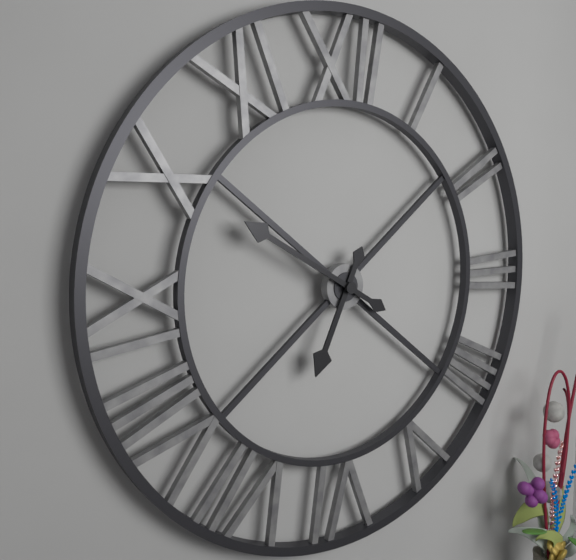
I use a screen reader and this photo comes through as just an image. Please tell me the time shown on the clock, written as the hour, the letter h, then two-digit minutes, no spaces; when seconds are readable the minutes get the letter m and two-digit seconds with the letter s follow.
6h50
